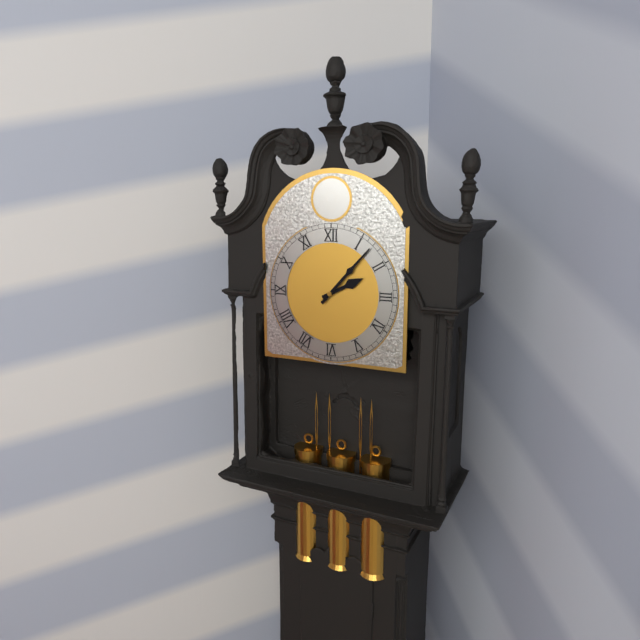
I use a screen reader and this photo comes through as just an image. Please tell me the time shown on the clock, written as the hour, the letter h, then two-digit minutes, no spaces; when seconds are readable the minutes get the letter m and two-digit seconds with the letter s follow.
2h07
